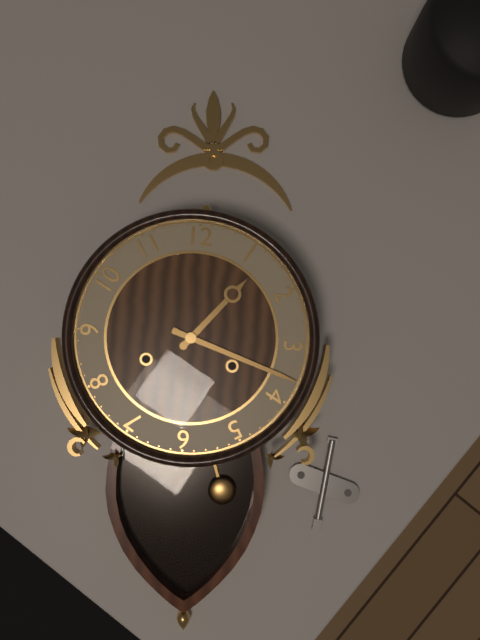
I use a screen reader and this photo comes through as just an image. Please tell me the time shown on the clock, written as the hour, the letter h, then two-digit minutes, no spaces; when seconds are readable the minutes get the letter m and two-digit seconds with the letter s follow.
1h18
